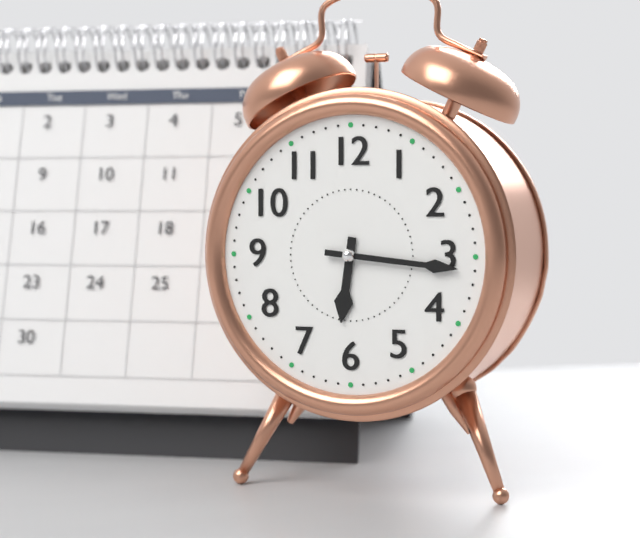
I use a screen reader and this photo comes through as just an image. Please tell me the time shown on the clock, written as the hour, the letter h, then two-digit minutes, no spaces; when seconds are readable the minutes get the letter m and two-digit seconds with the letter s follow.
6h16
